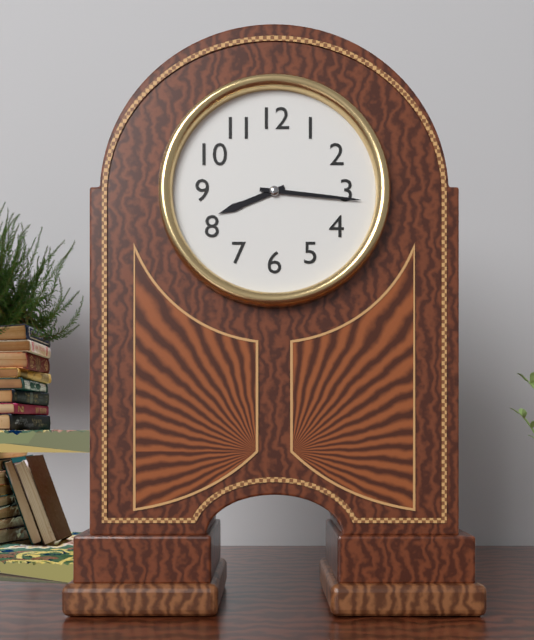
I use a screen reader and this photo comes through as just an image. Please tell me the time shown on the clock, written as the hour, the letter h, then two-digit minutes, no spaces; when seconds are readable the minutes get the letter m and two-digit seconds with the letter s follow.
8h16
